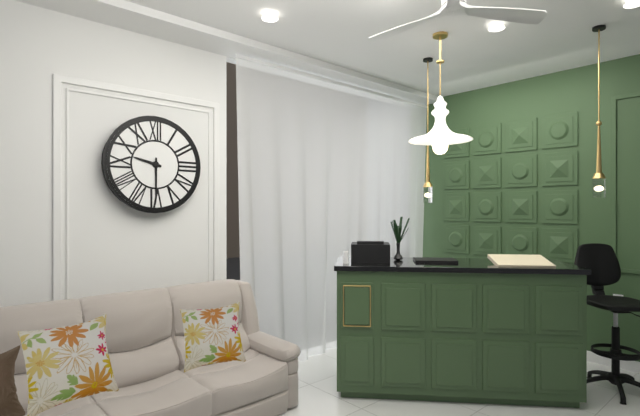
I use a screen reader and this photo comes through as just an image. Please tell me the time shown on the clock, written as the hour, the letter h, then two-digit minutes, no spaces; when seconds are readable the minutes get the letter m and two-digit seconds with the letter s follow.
9h30
